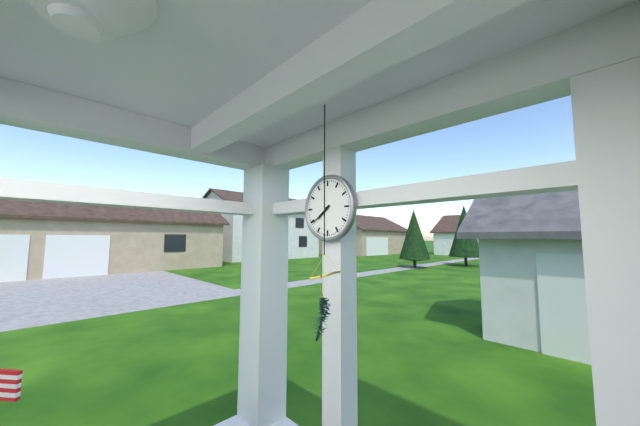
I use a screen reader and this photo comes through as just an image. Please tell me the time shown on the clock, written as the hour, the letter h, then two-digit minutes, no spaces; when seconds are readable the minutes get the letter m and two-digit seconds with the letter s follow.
7h39
